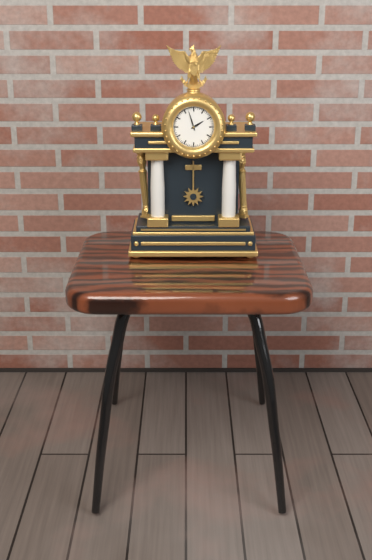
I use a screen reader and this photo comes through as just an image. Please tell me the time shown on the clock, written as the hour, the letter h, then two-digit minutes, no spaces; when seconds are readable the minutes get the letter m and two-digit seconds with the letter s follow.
1h57
